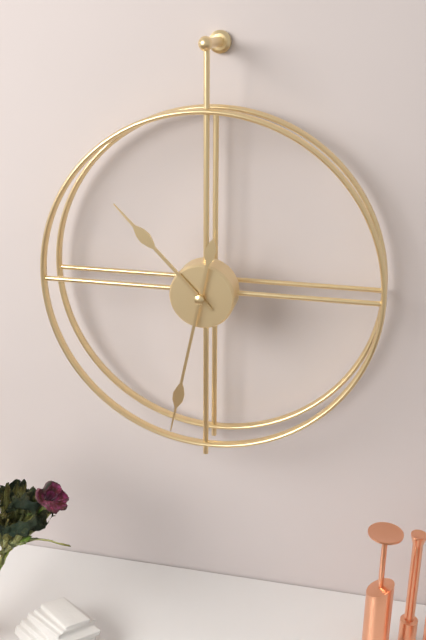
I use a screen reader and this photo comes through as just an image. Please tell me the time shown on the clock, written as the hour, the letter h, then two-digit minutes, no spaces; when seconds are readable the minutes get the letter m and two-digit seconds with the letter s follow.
10h32
